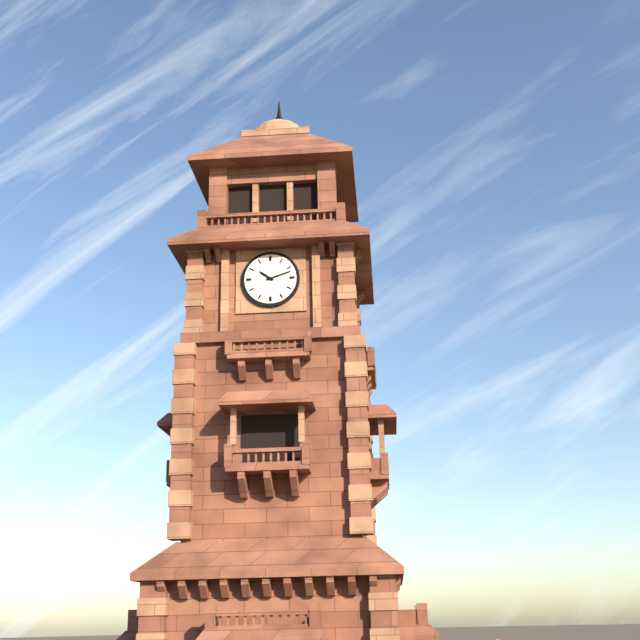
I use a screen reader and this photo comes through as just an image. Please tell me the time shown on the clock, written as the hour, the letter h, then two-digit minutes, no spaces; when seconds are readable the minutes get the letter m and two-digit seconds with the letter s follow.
10h12
